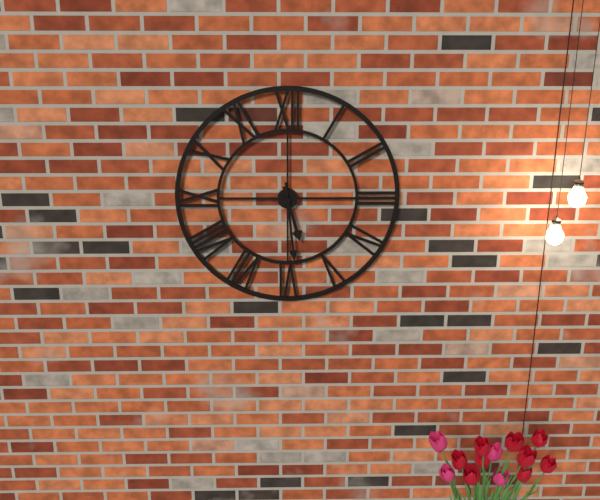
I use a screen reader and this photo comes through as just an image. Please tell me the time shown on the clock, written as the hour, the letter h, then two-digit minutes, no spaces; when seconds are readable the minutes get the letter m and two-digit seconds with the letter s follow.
5h29
